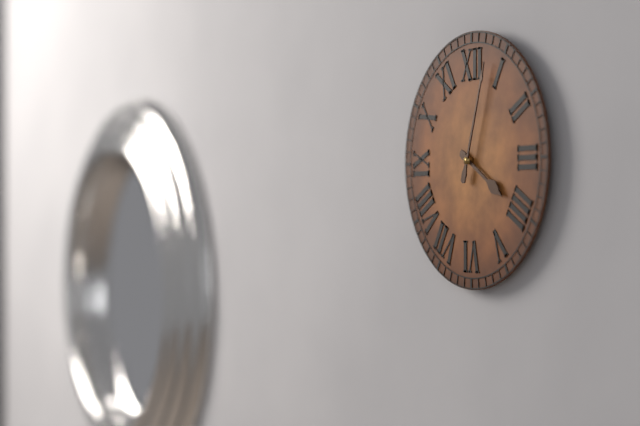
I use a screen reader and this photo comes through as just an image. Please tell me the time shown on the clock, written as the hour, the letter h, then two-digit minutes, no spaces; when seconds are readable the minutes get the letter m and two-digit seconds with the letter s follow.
4h03
